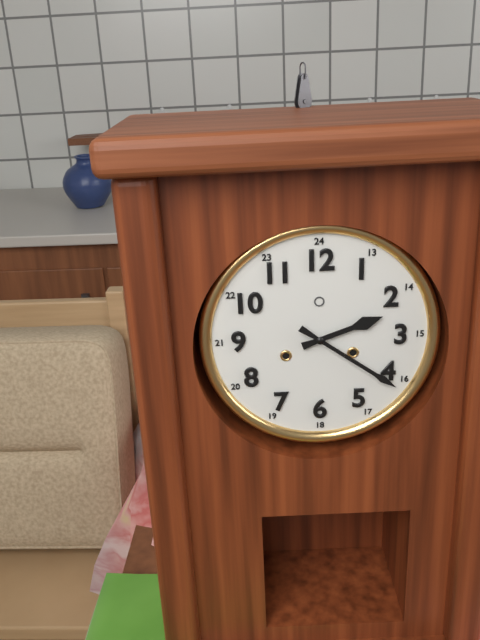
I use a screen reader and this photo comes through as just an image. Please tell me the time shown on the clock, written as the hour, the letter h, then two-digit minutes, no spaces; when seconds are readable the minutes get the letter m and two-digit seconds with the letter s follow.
2h21
